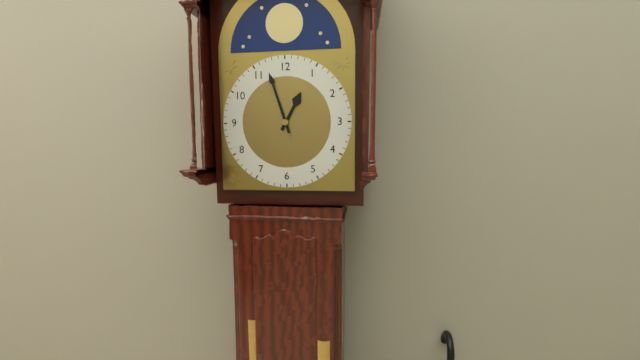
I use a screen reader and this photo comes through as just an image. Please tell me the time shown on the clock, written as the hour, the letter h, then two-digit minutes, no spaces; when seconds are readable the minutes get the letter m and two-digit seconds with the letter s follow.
12h57
